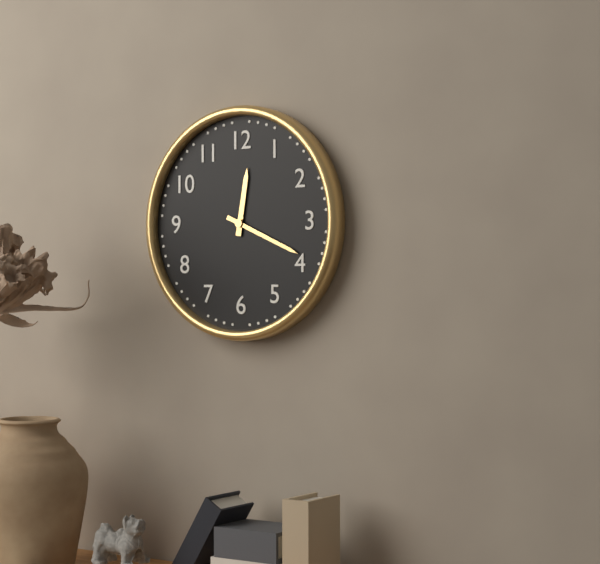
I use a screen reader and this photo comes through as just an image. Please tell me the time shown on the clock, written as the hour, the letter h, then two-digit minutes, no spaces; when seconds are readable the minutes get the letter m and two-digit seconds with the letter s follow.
12h19
